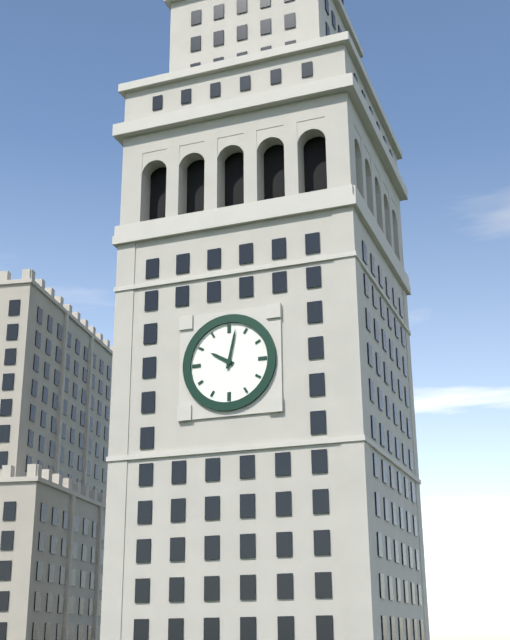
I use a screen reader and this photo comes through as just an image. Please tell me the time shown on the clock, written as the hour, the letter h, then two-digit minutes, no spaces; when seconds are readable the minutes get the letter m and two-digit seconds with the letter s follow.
10h02
